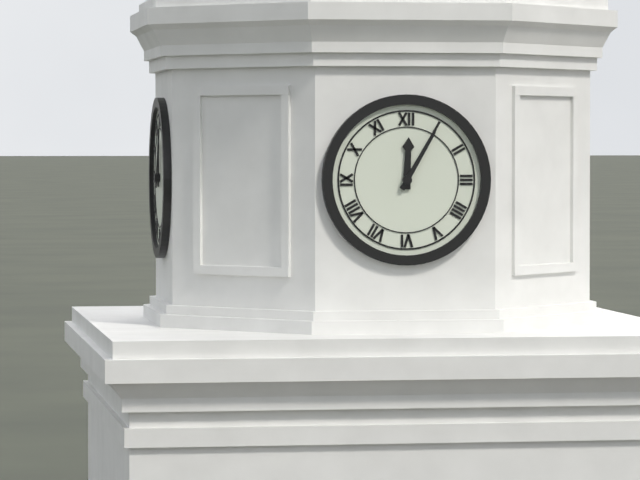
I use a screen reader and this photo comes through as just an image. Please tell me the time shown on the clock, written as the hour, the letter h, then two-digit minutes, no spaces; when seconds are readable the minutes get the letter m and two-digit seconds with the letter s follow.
12h05
